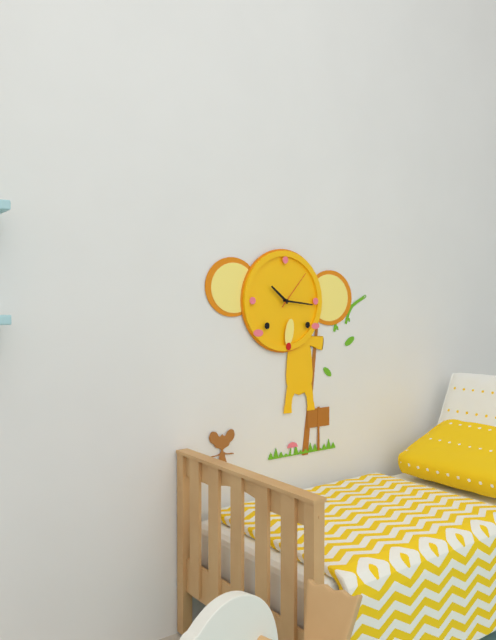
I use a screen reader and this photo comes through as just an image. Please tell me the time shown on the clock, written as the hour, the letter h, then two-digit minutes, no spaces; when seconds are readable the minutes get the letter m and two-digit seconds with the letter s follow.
10h16
